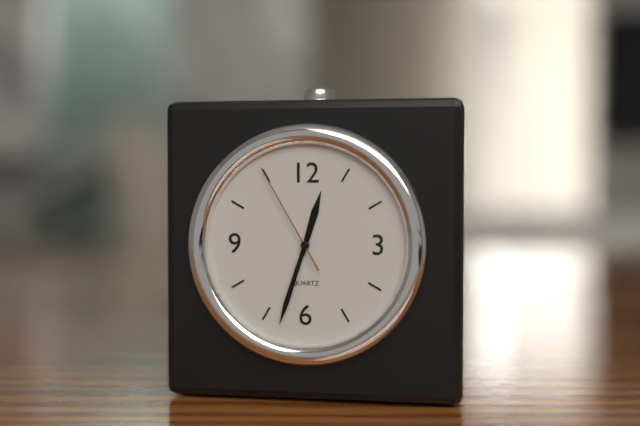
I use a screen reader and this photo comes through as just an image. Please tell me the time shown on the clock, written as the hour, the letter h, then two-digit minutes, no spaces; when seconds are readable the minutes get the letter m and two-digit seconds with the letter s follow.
12h33m55s
